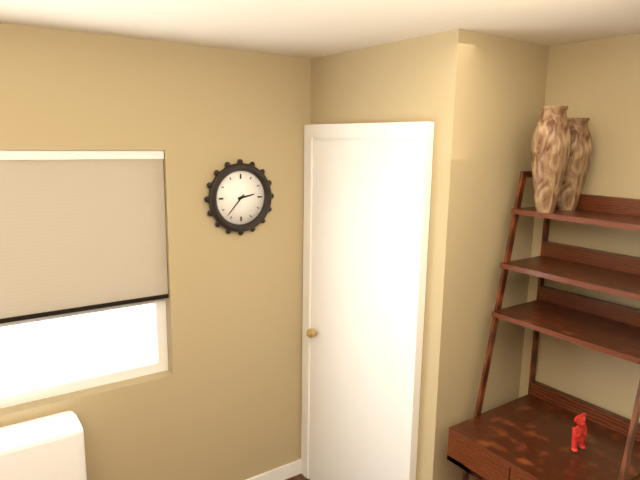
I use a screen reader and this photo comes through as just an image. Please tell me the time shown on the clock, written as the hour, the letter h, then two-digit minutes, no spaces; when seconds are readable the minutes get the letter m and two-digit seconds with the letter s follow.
2h37
